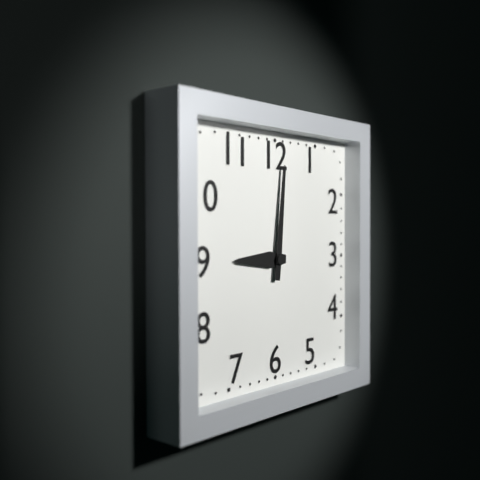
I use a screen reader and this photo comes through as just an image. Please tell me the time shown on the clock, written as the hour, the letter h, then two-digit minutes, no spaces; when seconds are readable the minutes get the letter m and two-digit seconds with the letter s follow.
9h01
